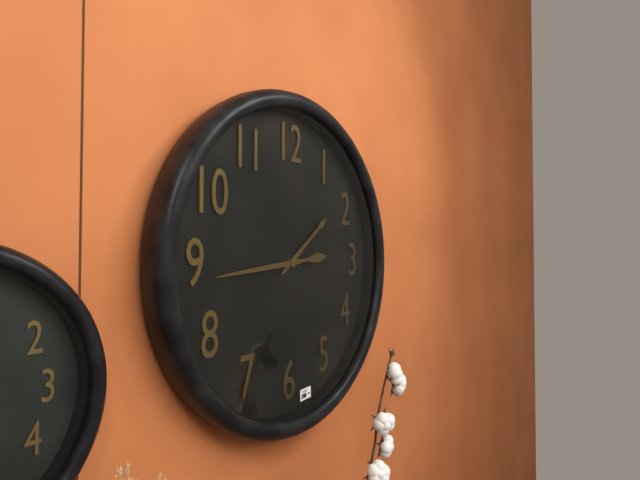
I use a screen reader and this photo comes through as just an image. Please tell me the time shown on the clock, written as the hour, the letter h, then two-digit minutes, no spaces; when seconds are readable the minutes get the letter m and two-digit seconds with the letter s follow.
1h44
